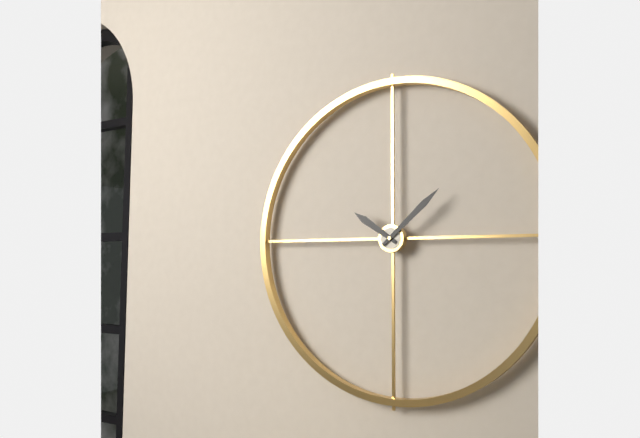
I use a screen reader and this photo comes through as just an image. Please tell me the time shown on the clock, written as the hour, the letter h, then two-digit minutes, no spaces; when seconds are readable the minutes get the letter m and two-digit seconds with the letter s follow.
10h08
